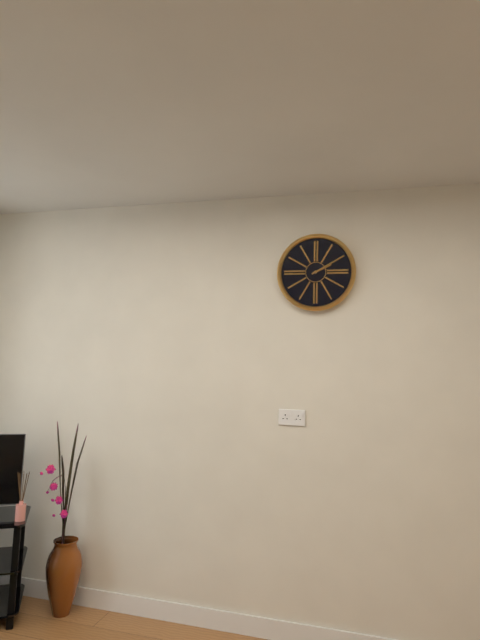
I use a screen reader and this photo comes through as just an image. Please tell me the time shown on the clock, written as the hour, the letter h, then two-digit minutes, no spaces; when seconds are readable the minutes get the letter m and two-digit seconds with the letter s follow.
2h10
